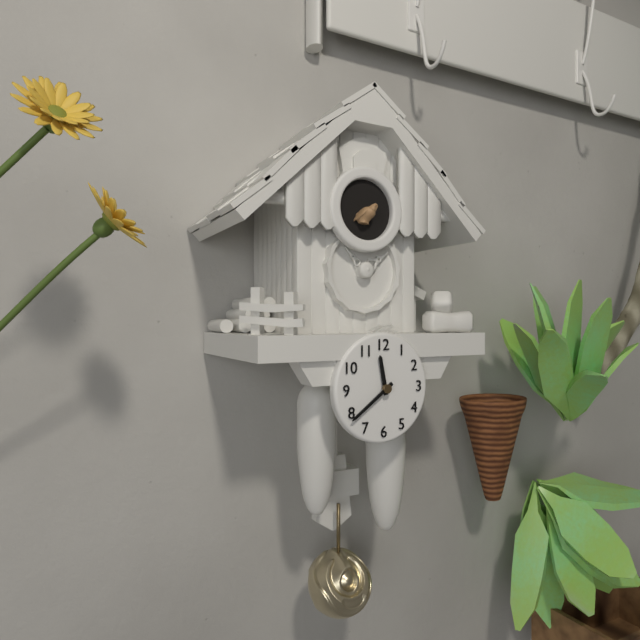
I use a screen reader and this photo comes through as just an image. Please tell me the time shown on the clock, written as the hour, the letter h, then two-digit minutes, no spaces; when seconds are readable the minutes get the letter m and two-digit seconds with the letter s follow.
11h39
